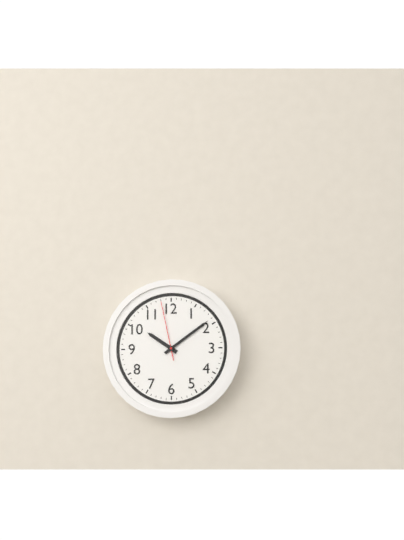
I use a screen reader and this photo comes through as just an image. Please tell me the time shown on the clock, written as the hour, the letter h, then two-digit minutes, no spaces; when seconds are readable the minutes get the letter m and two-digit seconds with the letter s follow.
10h09m58s
